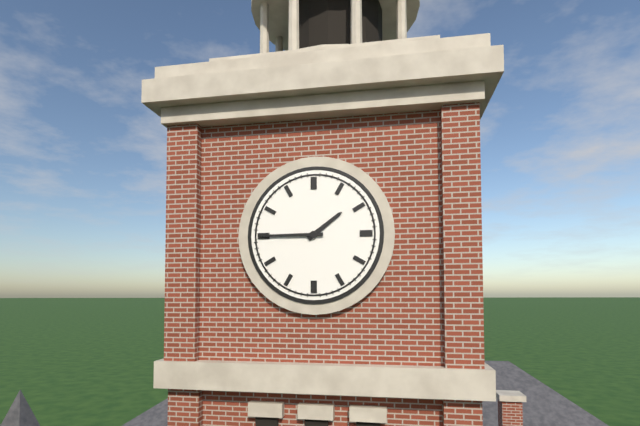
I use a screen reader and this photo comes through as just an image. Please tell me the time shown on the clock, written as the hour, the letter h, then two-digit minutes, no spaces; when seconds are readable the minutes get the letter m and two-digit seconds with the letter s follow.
1h45
